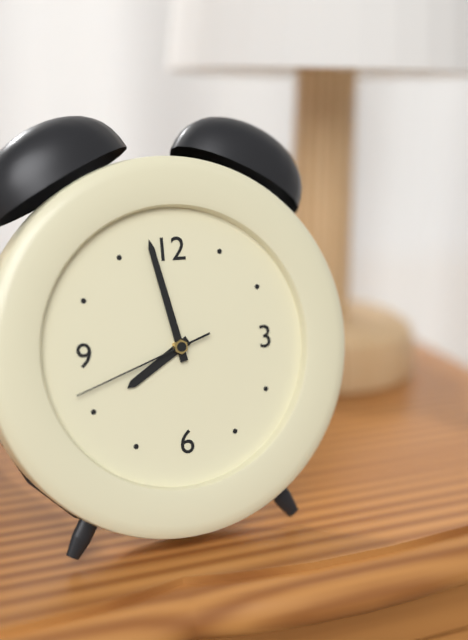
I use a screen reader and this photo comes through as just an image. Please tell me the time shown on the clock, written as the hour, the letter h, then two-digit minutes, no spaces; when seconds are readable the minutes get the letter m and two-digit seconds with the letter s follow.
7h58m42s
